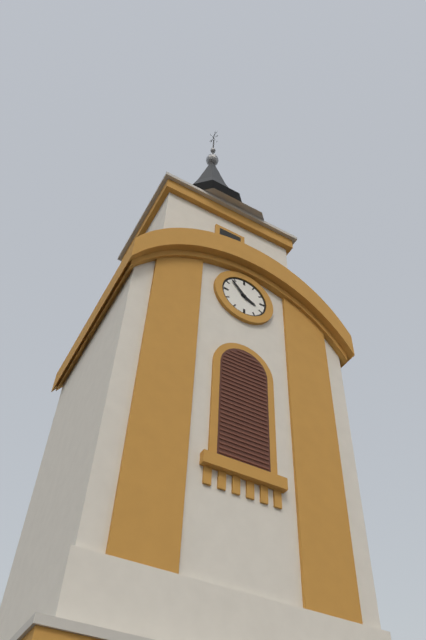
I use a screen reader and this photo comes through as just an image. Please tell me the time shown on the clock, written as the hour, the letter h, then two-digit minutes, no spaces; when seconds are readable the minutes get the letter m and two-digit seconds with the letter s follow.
3h53
